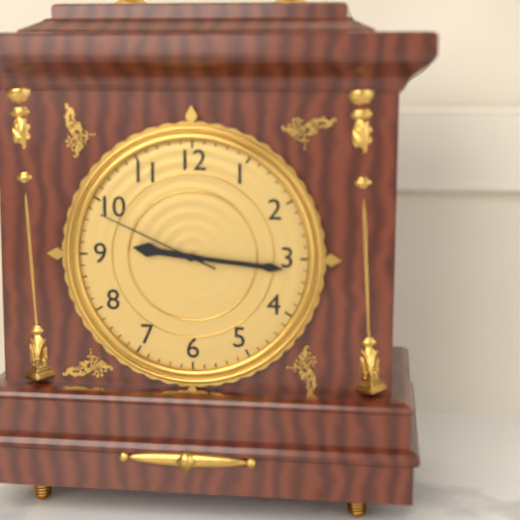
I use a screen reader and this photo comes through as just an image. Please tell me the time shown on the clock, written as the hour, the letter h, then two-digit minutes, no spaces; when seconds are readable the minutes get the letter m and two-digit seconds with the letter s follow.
9h16m49s
